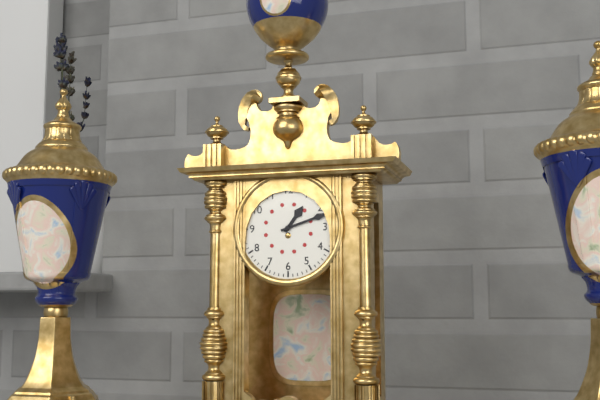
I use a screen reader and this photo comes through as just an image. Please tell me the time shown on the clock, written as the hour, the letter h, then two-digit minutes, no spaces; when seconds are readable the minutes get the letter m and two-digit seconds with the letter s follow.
1h12
